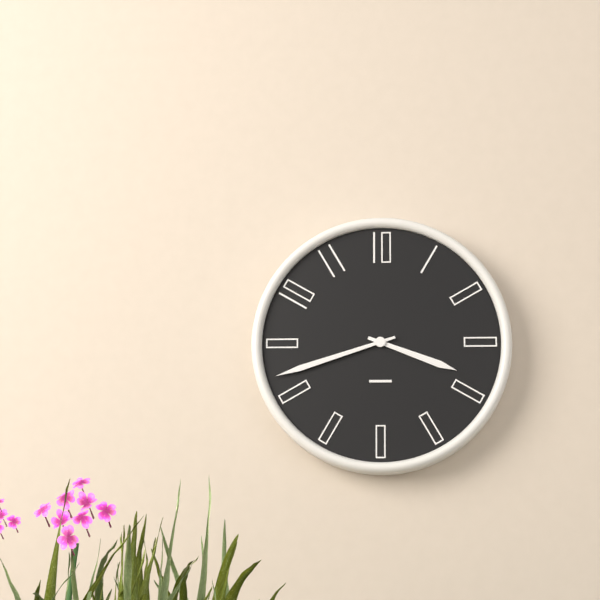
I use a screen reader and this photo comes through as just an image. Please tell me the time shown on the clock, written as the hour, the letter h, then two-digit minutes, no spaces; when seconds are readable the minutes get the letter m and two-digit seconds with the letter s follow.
3h42
